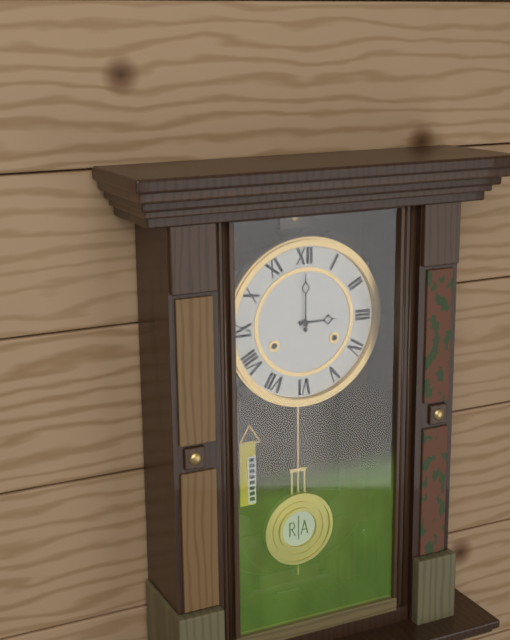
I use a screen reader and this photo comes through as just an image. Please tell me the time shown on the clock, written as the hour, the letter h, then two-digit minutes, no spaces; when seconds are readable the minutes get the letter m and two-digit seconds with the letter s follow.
3h00
